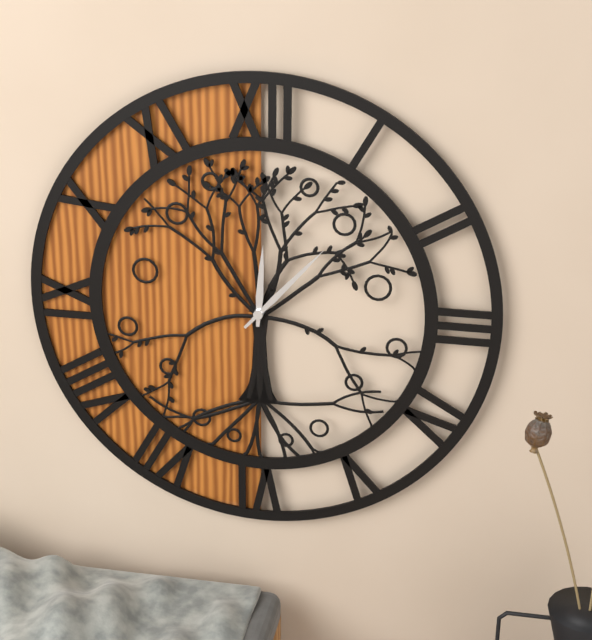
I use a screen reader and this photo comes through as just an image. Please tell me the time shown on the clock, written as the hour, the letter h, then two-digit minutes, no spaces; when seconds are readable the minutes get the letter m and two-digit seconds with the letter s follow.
12h07
